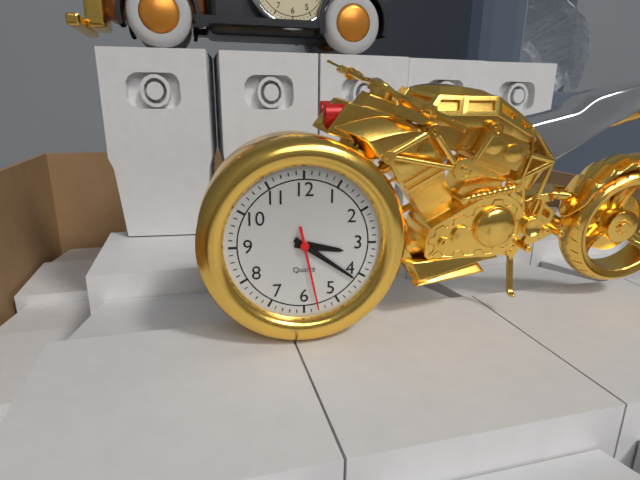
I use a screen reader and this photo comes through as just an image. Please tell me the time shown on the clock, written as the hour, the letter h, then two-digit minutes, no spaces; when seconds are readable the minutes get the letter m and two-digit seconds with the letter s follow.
3h21m28s
